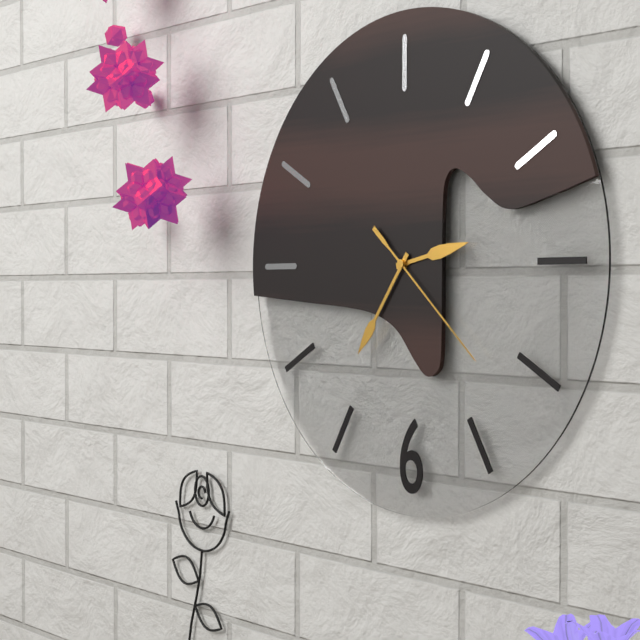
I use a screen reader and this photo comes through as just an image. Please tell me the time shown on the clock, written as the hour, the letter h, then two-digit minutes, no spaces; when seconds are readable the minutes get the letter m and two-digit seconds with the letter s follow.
2h36m22s
